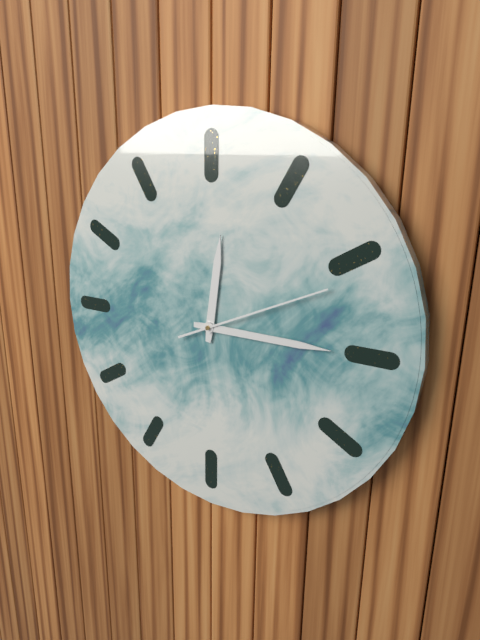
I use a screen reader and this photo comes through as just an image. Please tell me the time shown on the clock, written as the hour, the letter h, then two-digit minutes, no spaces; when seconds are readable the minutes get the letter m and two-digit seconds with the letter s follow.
12h15m11s
